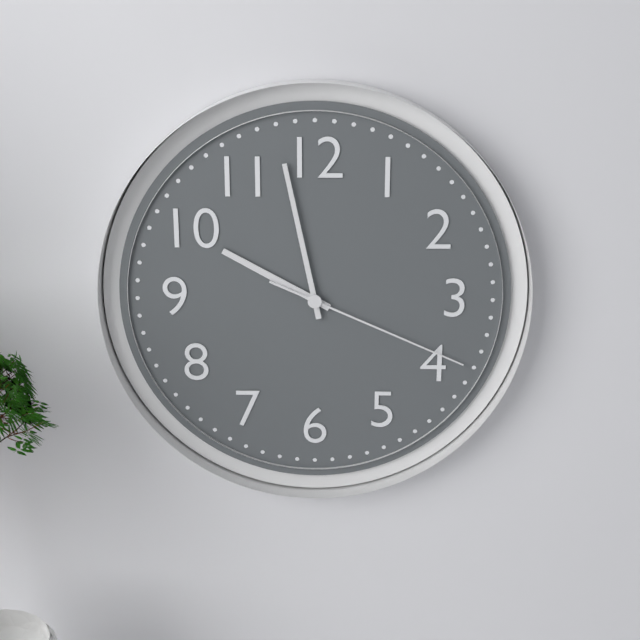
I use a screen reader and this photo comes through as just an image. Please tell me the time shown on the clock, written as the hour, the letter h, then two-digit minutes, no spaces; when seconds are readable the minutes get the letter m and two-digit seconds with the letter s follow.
9h58m19s
